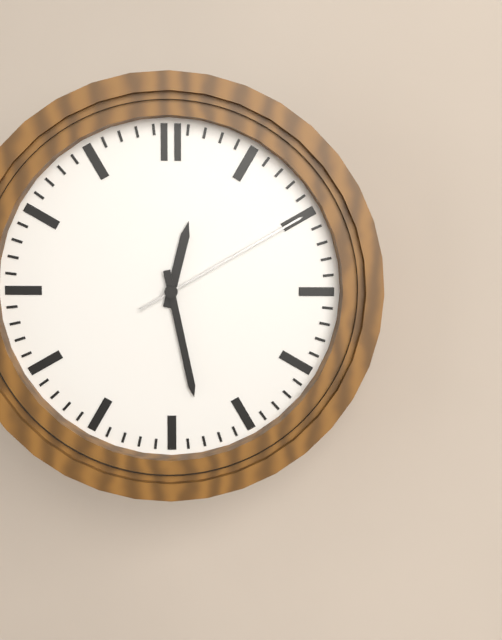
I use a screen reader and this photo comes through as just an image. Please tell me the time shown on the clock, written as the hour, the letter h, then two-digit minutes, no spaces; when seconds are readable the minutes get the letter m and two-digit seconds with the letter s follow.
12h28m10s
